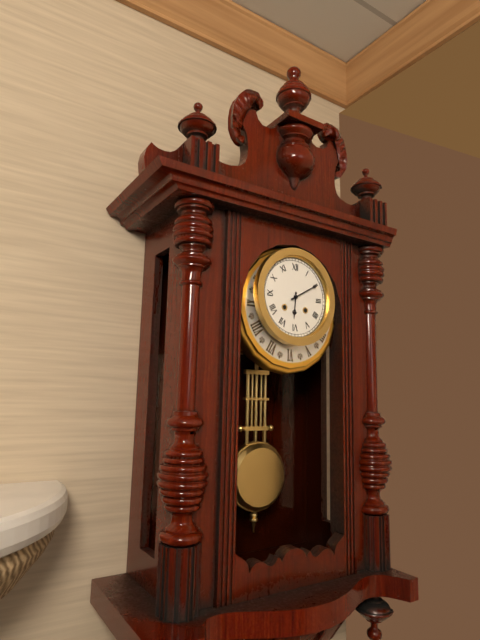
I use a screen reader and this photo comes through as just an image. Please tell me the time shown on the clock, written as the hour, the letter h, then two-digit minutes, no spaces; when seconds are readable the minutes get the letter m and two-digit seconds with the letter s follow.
6h10
